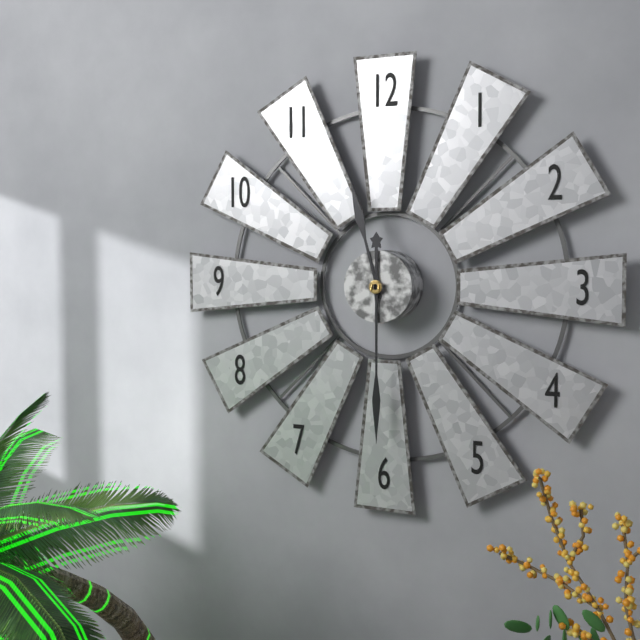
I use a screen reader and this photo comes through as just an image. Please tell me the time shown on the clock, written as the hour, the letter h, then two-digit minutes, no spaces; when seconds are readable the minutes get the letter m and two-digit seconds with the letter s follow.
11h30
